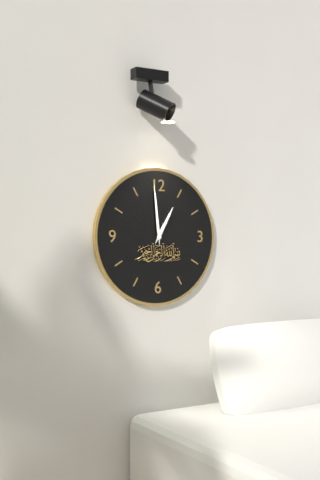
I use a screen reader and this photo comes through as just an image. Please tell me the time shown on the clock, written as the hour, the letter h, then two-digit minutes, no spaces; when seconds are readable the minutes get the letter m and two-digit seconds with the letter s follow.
12h59
